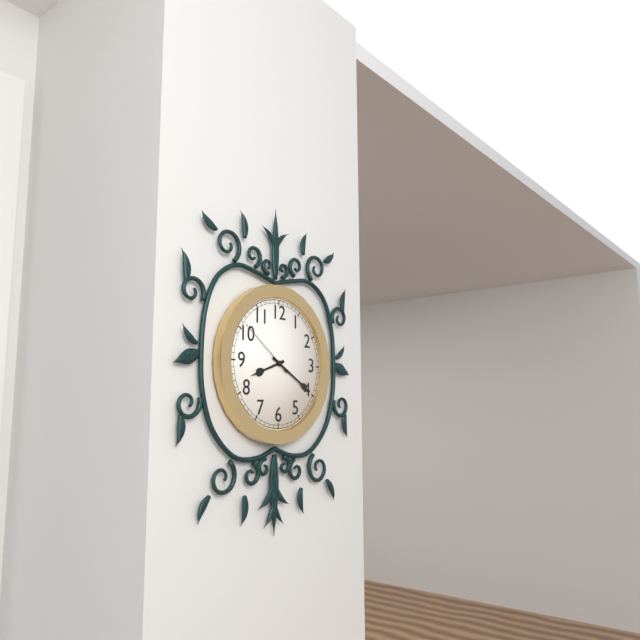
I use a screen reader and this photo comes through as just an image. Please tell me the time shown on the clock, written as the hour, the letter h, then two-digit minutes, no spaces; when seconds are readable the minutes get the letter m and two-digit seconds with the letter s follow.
8h20m51s
